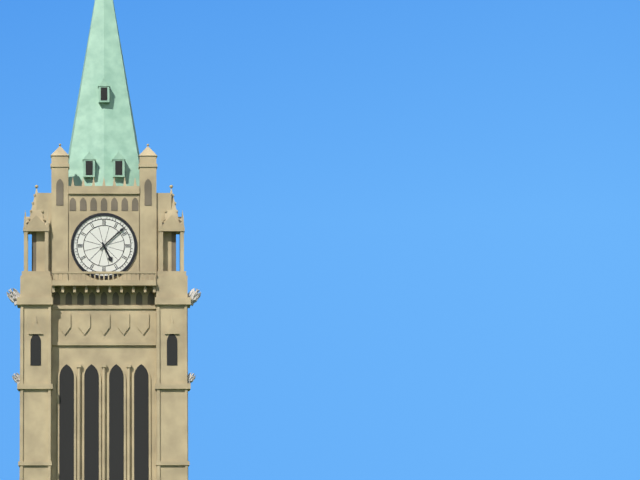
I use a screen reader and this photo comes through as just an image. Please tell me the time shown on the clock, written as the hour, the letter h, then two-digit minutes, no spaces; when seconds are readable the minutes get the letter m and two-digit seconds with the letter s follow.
5h08
